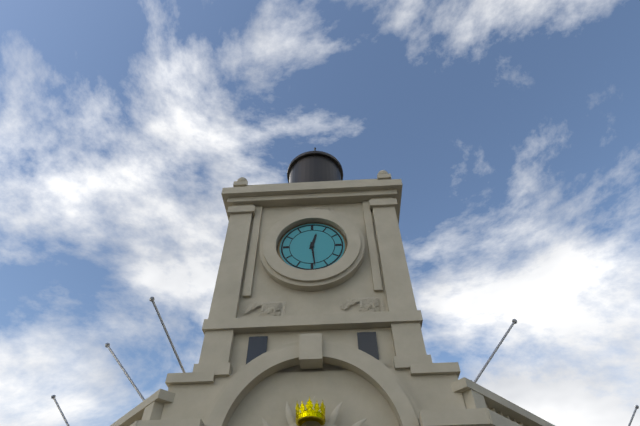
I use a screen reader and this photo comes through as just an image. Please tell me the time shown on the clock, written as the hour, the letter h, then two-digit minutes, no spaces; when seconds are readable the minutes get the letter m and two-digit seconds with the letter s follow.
12h29
